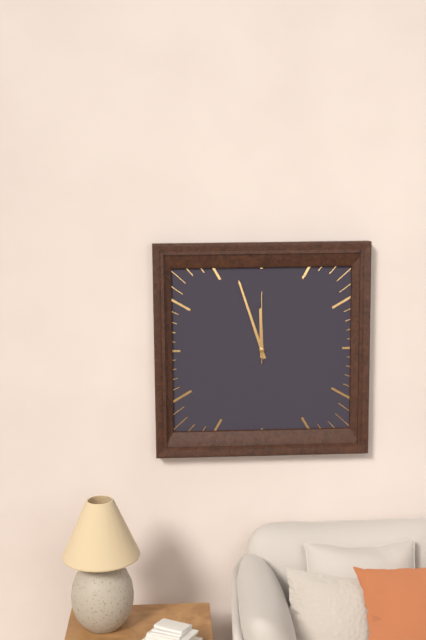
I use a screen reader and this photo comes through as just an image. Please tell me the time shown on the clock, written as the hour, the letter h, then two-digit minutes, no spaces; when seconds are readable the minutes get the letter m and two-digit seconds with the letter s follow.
11h57m00s
